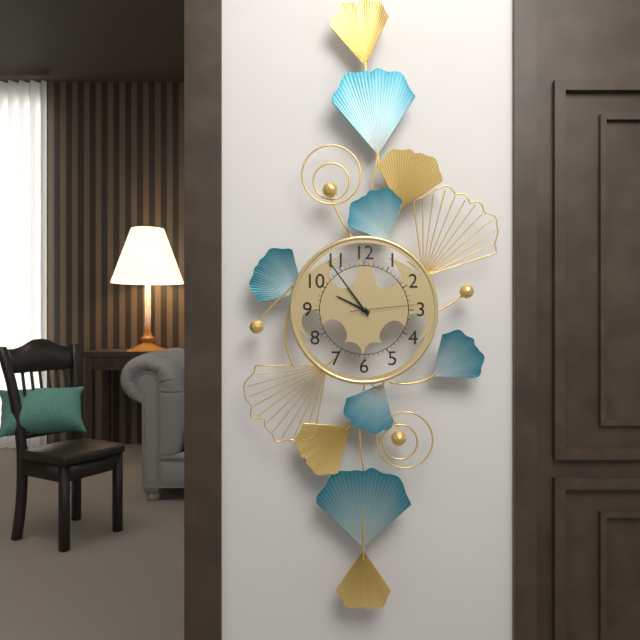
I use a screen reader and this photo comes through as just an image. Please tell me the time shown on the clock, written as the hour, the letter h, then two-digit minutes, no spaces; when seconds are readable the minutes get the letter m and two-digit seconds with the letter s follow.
9h54m14s
